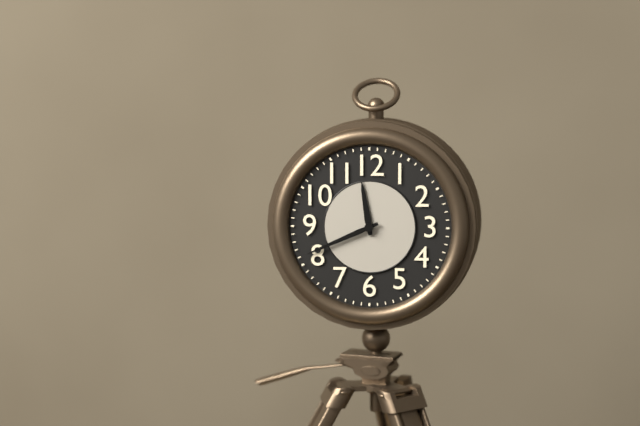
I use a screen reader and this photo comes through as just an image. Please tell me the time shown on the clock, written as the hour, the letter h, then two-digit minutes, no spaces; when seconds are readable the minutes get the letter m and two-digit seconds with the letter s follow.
11h41
